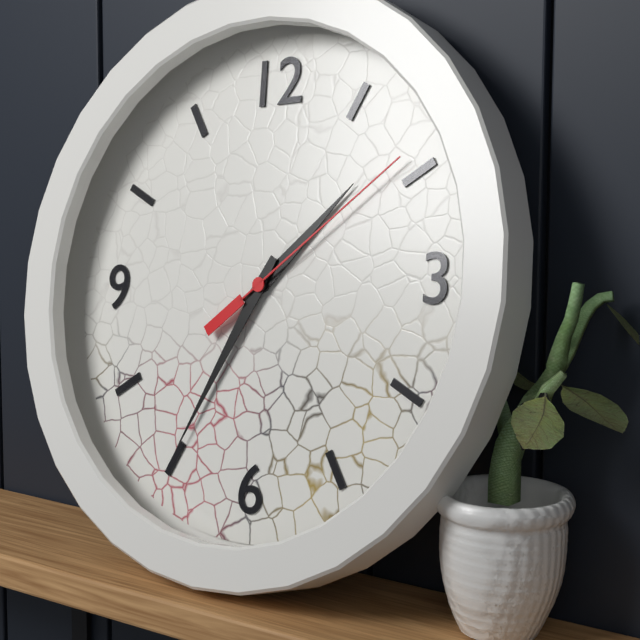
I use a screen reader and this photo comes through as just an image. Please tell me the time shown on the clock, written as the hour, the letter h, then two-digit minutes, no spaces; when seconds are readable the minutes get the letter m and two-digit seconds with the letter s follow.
1h35m09s
